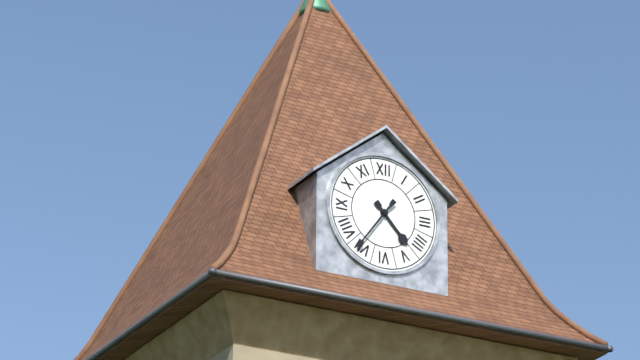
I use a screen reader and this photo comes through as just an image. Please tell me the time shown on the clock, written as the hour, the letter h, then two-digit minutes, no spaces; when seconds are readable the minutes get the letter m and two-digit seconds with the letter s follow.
4h36
